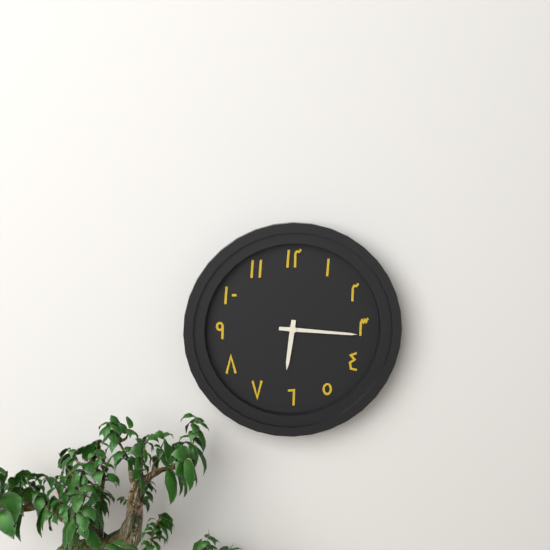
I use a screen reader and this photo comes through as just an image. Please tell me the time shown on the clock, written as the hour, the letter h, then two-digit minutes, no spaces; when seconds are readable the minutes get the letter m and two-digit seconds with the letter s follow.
6h16
